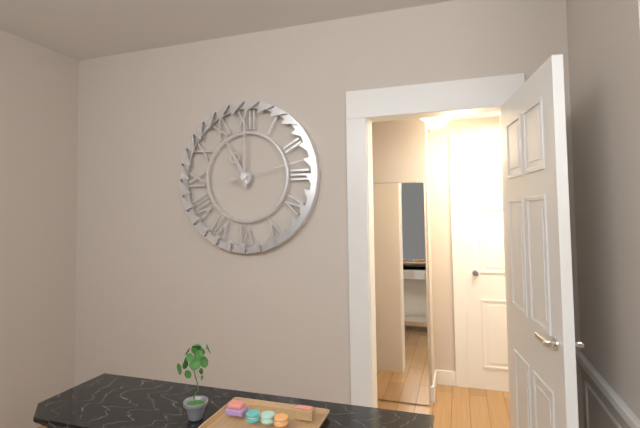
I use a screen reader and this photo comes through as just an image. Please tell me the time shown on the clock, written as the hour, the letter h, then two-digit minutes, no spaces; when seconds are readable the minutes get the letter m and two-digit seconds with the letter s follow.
11h00m13s
